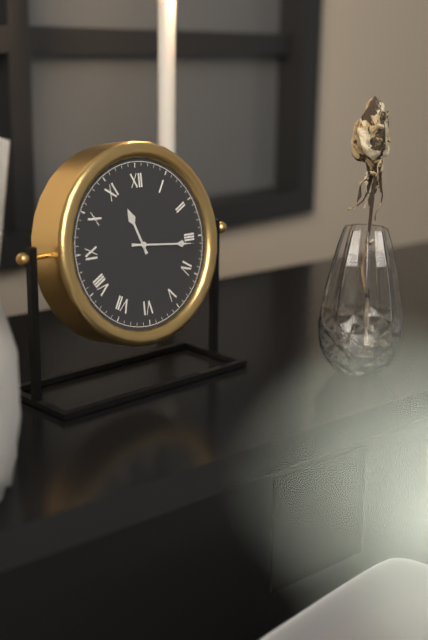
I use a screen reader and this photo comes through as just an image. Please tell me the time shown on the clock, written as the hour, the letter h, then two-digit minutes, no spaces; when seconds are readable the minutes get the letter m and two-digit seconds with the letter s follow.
11h16
